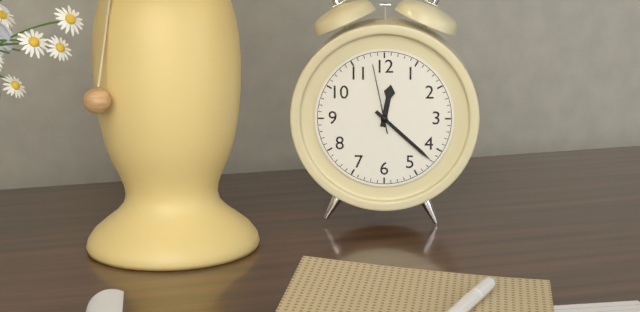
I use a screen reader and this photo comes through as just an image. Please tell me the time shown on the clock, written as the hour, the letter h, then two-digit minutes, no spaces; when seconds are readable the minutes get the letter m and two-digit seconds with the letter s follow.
12h22m58s
